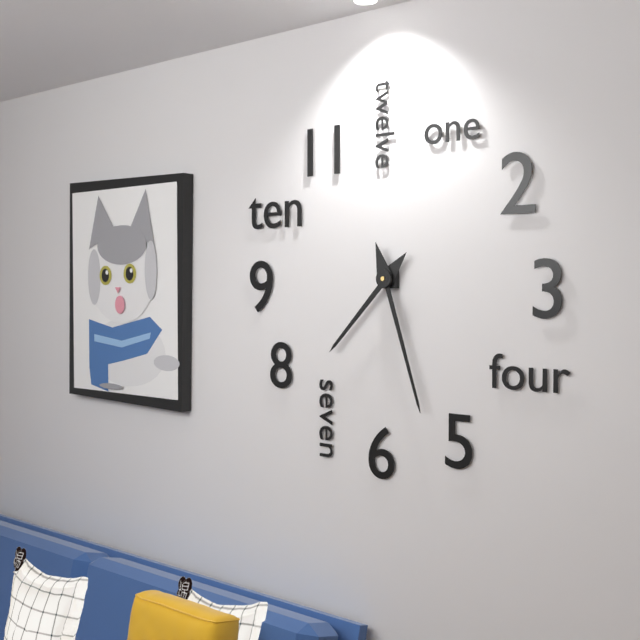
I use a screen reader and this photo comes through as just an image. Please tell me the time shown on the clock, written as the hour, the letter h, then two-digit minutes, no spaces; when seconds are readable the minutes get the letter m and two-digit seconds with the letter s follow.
7h27
